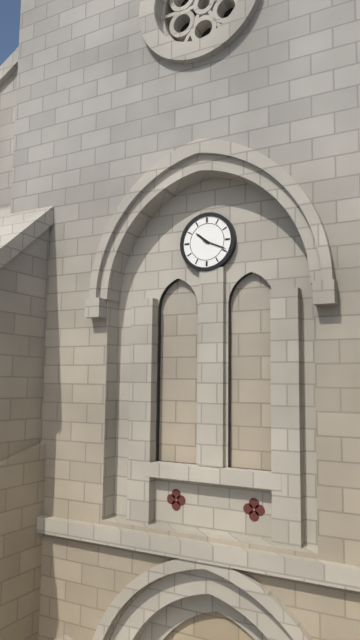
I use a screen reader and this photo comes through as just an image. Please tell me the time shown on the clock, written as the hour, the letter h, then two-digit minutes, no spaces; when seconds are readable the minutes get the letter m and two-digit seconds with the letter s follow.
10h19
